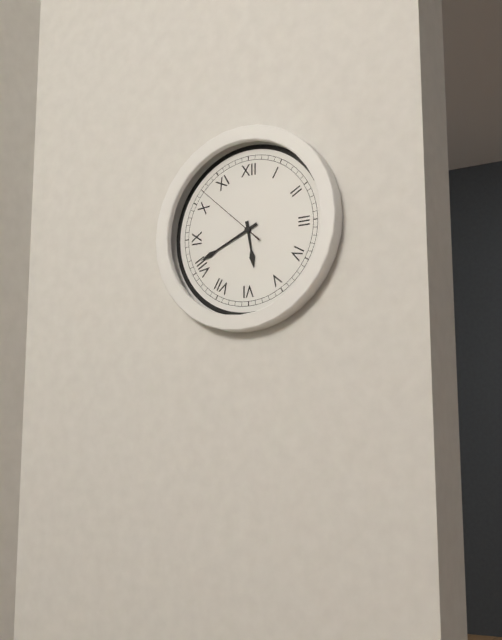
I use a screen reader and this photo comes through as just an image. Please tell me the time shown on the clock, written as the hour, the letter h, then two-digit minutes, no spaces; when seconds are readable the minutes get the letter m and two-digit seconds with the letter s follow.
5h41m52s
